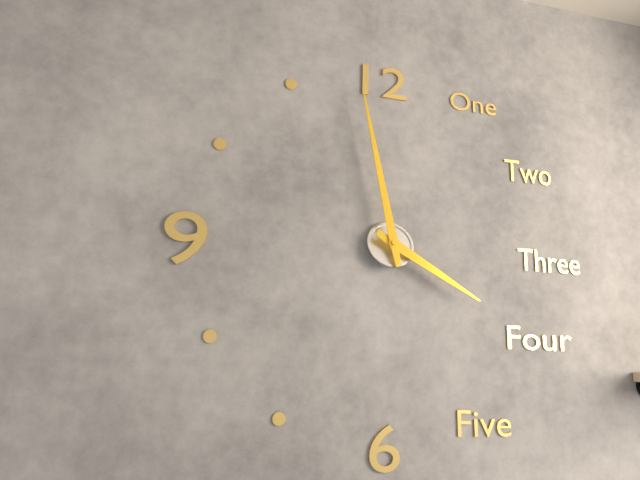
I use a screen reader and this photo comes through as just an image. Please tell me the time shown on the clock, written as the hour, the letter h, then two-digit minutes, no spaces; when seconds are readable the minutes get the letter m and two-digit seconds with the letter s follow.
3h58
